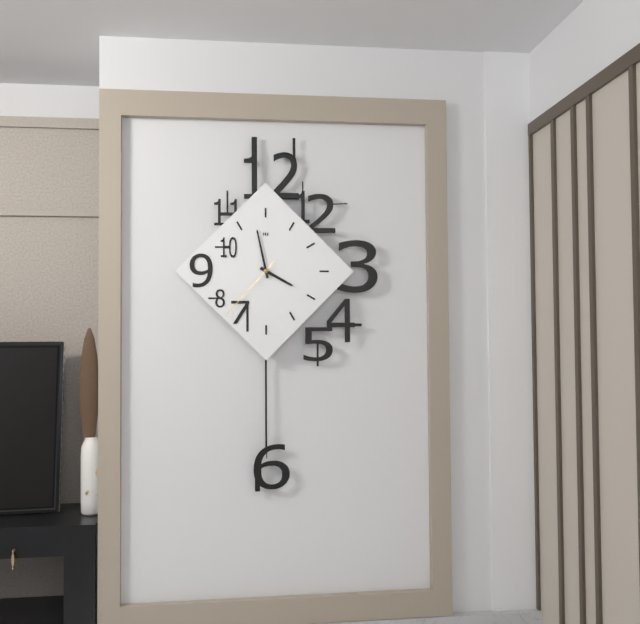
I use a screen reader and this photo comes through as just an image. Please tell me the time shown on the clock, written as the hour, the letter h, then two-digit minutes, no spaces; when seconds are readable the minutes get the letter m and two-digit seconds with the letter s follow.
3h58m37s
